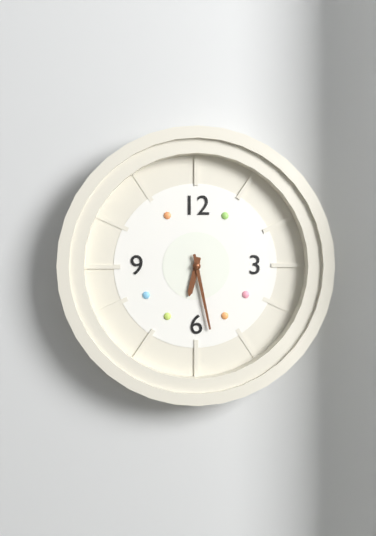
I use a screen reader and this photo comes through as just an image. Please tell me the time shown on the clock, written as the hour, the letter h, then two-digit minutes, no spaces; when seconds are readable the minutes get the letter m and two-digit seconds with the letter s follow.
6h28
